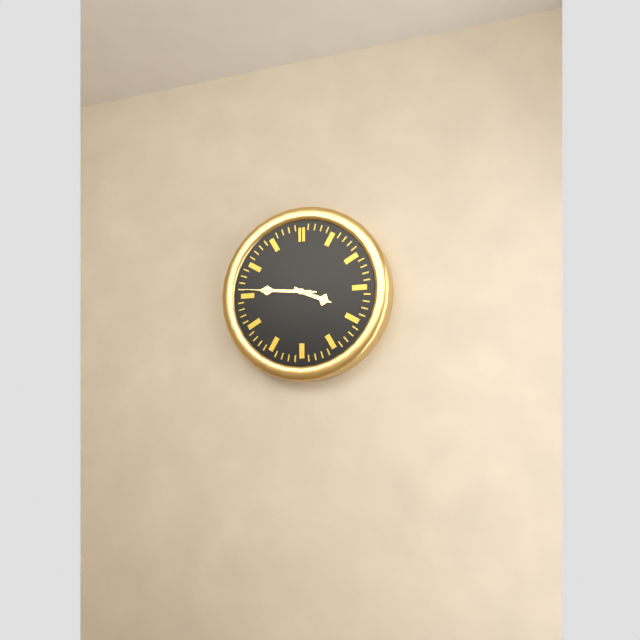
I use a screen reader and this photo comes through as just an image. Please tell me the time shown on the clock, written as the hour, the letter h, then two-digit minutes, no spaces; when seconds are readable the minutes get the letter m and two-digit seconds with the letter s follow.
3h46m46s
